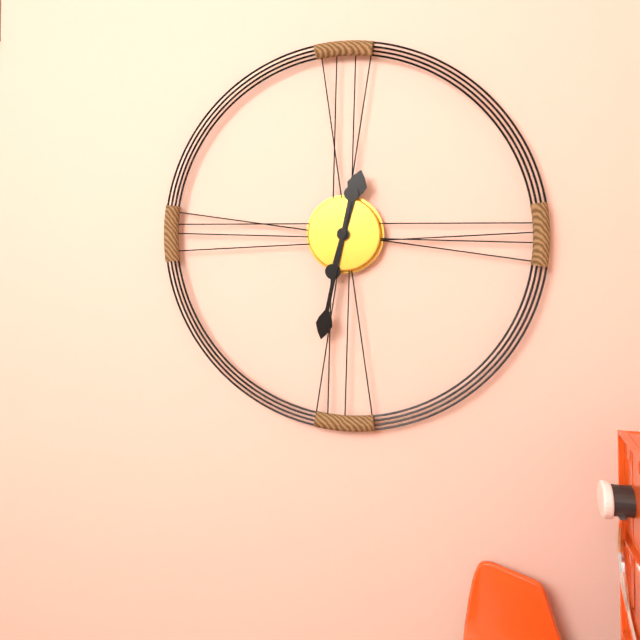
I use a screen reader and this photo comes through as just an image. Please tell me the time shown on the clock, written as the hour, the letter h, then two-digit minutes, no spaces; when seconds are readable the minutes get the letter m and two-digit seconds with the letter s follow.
12h32
